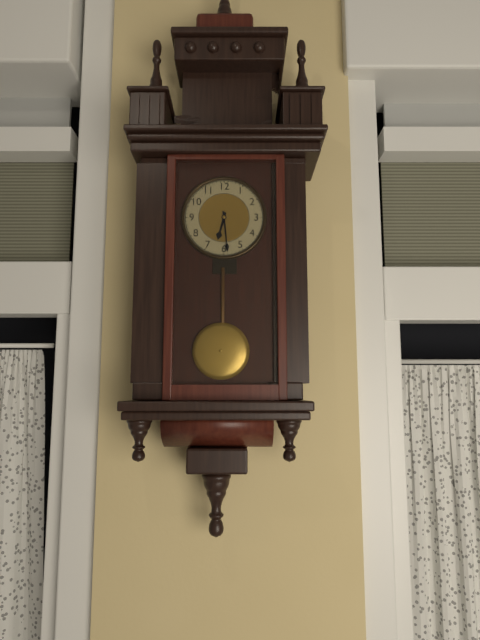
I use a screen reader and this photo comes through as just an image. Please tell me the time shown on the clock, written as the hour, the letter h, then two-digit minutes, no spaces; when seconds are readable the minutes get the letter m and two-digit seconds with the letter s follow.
6h29
